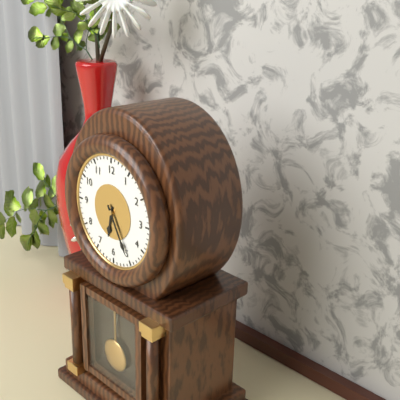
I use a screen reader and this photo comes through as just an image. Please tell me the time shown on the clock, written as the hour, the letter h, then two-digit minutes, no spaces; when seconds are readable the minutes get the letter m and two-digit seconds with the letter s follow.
6h25
